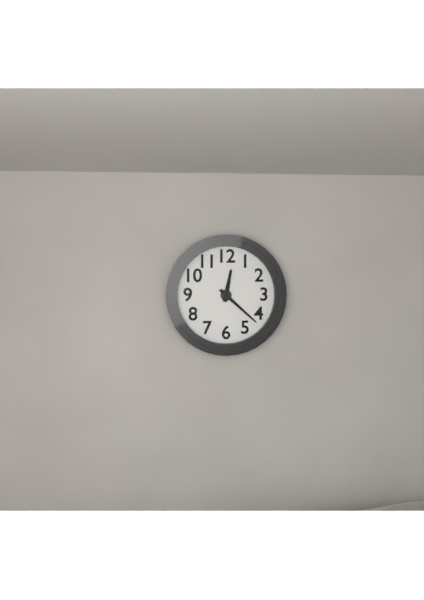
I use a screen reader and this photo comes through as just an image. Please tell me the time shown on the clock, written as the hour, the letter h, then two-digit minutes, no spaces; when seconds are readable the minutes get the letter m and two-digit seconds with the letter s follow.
12h22
